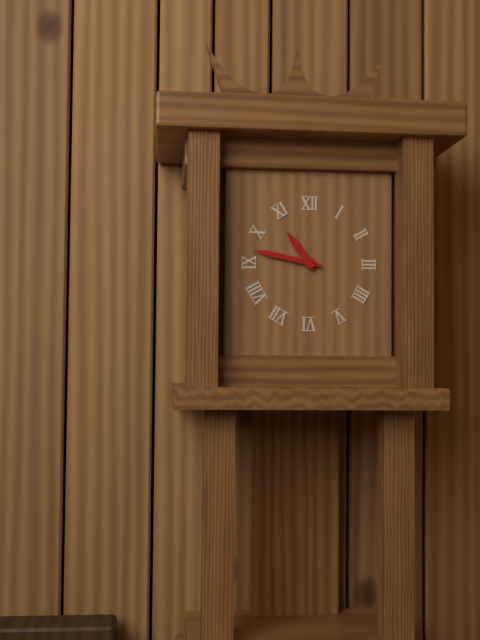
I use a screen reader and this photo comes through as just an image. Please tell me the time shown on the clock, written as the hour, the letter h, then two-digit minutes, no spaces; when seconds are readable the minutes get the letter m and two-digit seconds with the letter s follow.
10h47
